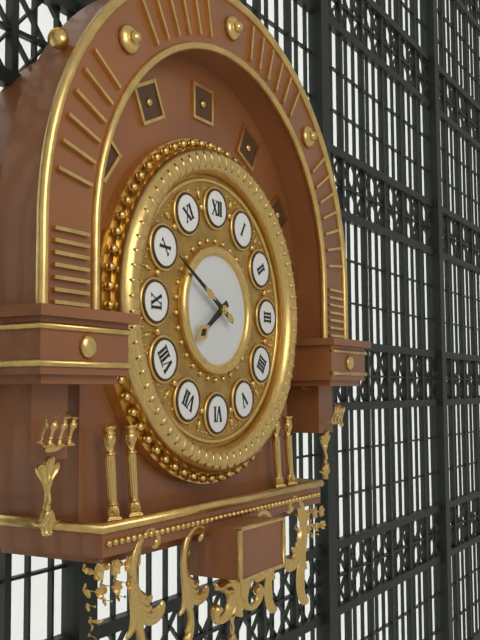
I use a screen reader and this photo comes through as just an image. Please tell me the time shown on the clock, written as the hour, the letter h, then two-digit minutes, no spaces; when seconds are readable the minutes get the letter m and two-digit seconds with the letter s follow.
7h50
